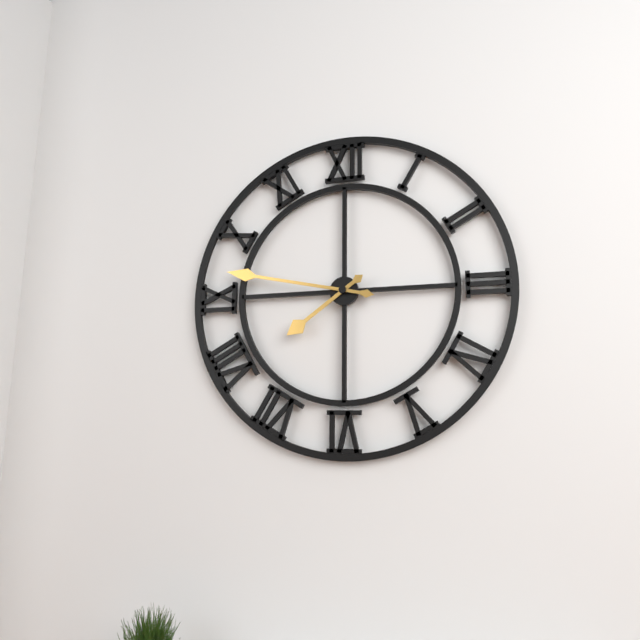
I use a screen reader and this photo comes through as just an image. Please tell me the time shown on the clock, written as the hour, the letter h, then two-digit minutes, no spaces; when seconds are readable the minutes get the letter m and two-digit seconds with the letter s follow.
7h47
